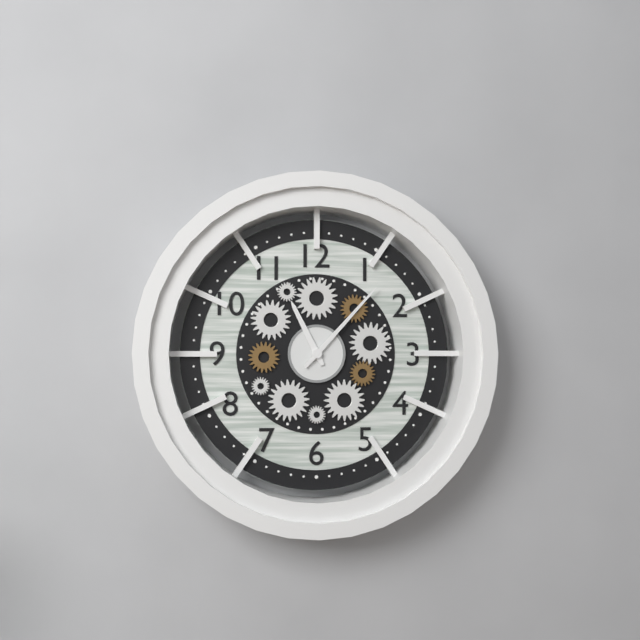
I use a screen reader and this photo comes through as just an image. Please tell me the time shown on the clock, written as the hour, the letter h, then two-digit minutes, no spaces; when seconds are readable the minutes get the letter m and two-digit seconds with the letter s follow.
11h07
